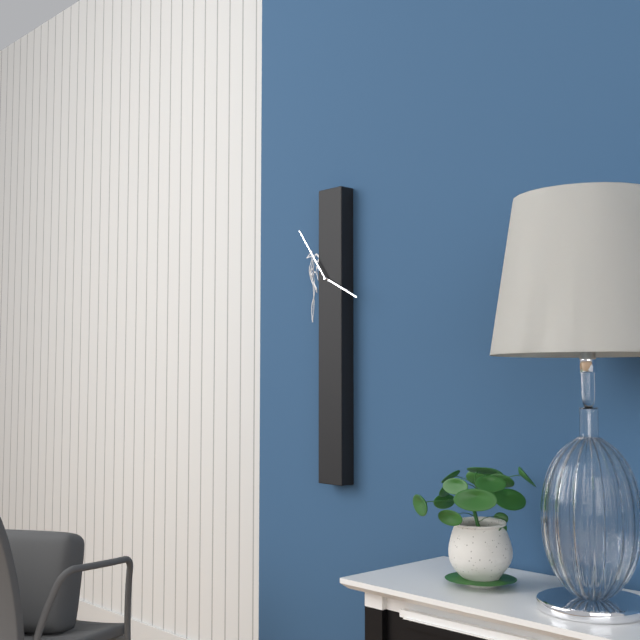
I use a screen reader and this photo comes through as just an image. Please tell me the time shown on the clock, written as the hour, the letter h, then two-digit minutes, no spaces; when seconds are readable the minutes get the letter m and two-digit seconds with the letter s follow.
3h54
